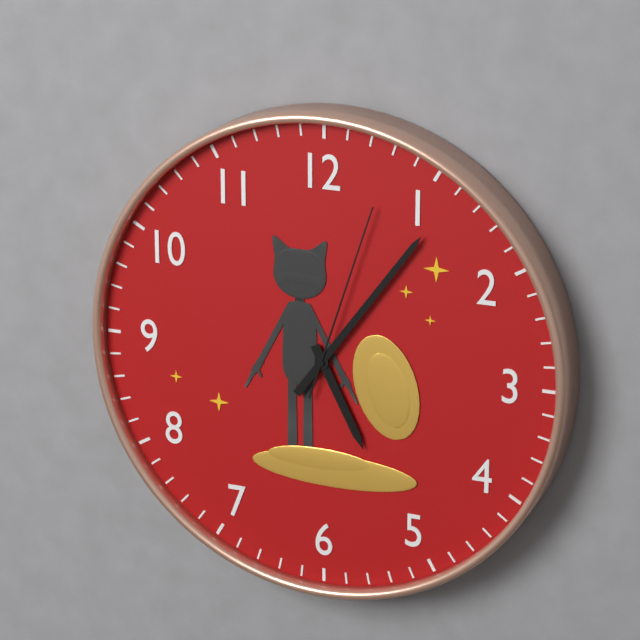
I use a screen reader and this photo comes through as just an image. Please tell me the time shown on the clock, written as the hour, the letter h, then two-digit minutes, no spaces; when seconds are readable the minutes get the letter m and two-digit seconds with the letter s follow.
5h06m03s
